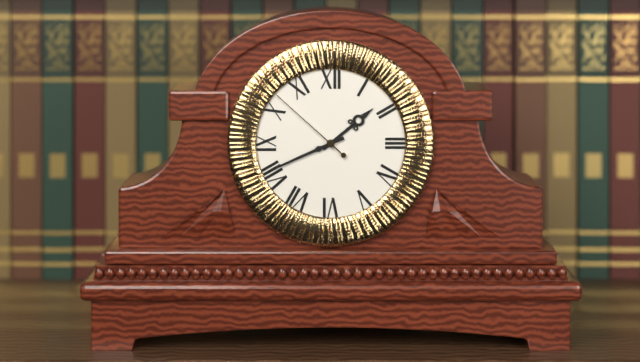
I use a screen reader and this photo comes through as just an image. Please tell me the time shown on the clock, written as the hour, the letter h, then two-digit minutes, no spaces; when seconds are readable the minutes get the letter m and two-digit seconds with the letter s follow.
1h41m52s
